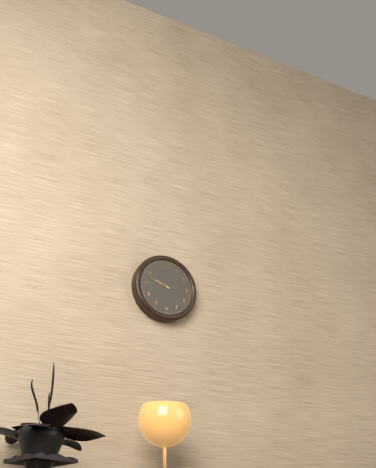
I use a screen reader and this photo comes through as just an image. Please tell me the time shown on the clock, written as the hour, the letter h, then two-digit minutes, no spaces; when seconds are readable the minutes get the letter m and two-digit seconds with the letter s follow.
9h48
